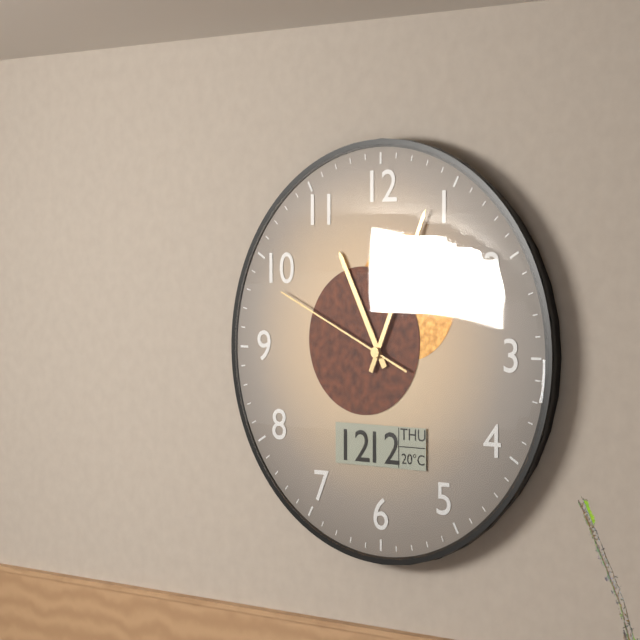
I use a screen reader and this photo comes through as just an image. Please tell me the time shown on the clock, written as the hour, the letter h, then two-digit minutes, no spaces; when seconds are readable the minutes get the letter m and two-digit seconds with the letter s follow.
11h04m49s
